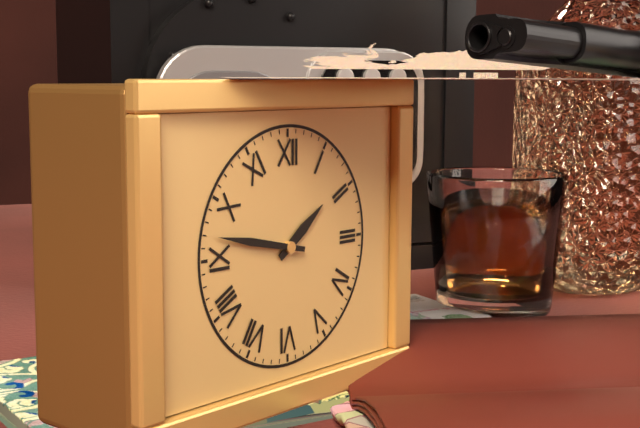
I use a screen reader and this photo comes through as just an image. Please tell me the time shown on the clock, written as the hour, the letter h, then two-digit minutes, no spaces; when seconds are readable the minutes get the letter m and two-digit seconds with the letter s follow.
1h47
